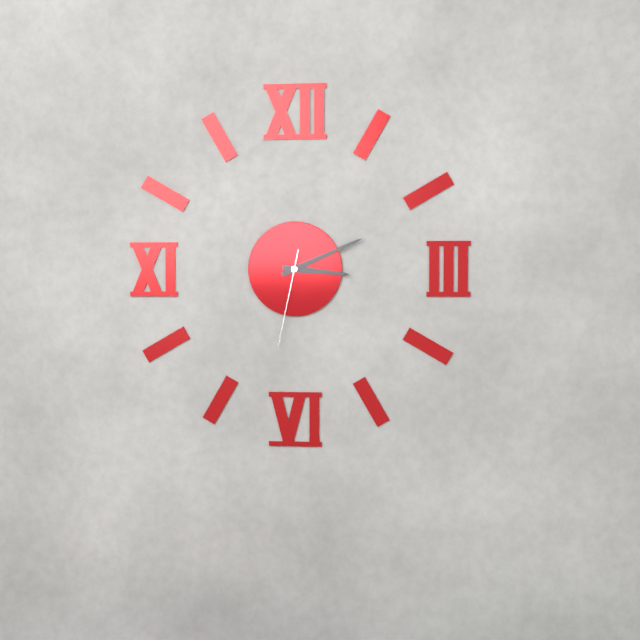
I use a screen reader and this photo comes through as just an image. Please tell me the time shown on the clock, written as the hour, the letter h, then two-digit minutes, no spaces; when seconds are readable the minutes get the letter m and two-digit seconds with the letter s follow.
3h11m32s
